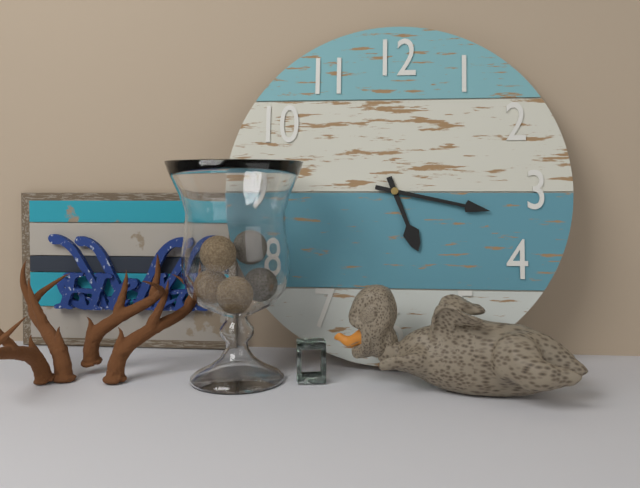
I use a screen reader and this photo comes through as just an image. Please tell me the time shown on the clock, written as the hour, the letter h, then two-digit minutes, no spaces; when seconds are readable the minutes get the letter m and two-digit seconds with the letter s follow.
5h17
